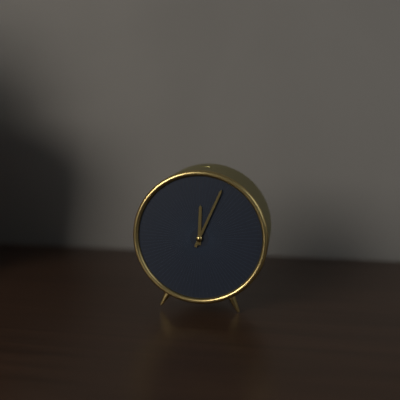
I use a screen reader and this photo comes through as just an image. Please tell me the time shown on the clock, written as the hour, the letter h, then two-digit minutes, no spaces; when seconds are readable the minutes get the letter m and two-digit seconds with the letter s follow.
12h04
